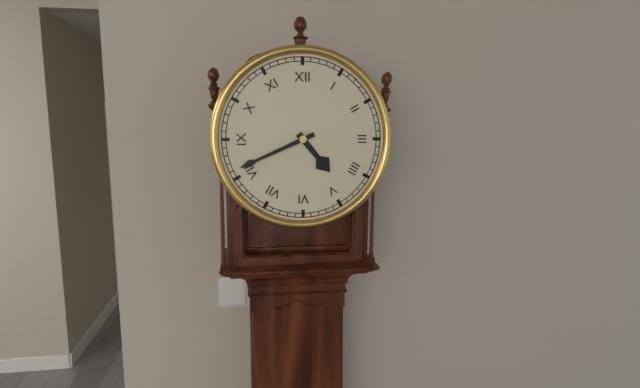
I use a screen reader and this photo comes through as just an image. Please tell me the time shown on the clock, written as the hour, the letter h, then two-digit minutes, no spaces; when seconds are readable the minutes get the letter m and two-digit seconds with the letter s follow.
4h41
